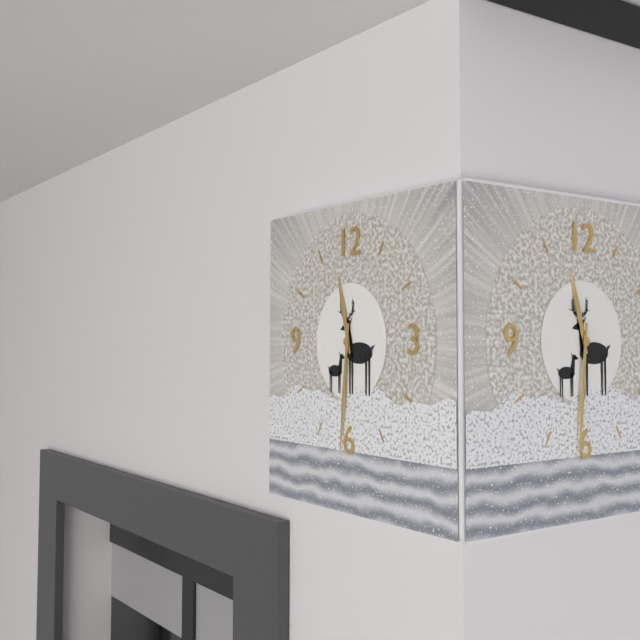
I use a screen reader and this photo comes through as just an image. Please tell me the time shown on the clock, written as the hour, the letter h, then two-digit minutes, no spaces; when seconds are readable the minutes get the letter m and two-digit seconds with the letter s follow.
11h31
